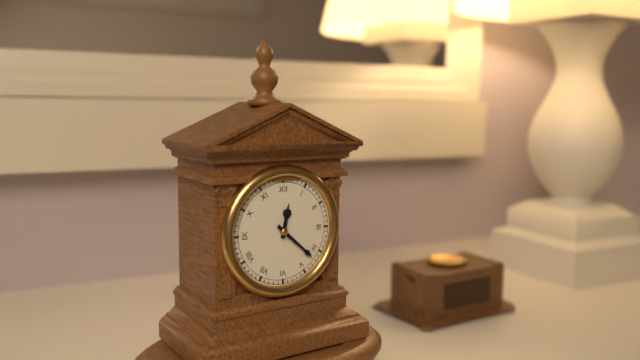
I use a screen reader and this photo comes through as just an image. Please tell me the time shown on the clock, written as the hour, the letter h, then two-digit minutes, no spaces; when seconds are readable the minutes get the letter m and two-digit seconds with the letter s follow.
12h22
